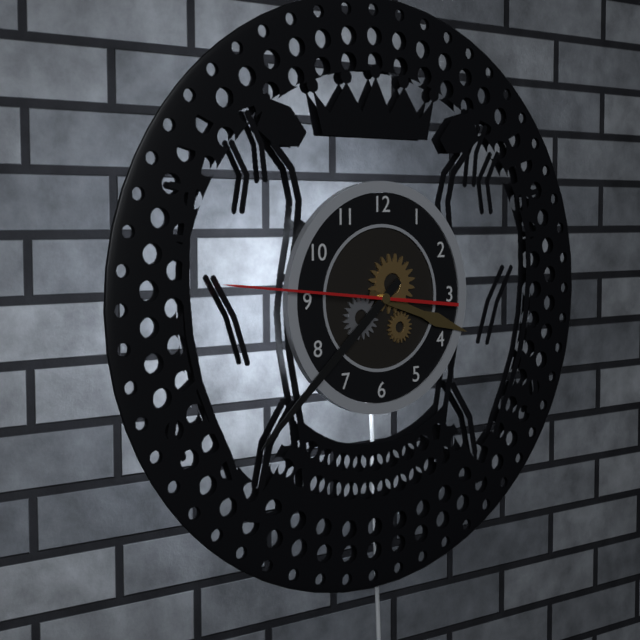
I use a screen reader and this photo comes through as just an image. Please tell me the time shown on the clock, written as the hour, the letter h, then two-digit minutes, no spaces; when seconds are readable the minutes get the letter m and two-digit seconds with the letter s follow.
3h38m46s
